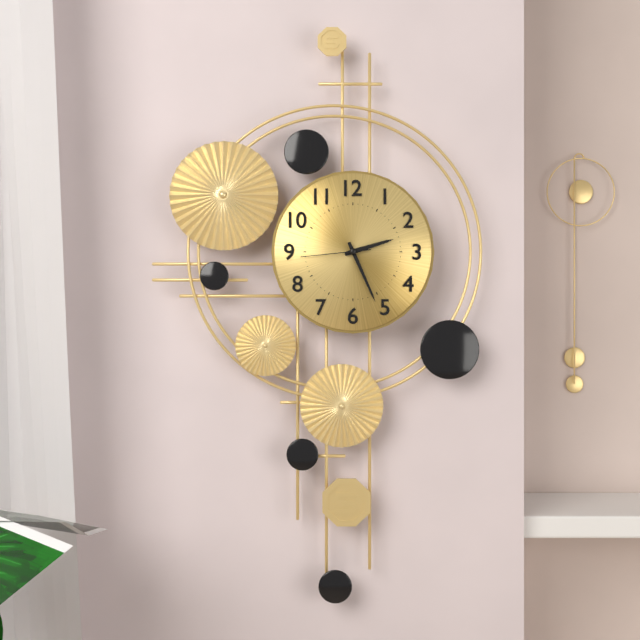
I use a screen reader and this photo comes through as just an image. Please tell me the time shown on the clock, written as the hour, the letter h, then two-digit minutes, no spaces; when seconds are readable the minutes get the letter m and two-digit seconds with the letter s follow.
2h26m44s
